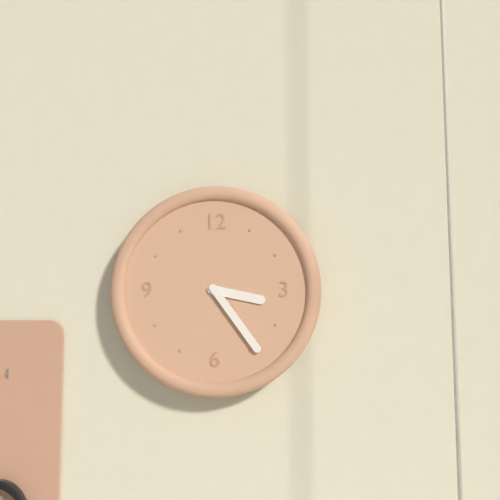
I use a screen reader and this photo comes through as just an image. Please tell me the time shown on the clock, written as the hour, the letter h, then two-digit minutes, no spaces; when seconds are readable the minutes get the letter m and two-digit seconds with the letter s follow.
3h24
